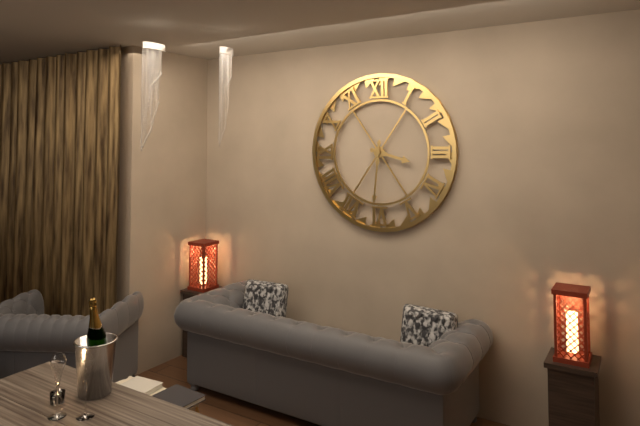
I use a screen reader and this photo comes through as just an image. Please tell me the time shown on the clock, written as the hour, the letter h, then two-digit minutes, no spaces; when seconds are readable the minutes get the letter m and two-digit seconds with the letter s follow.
3h31
